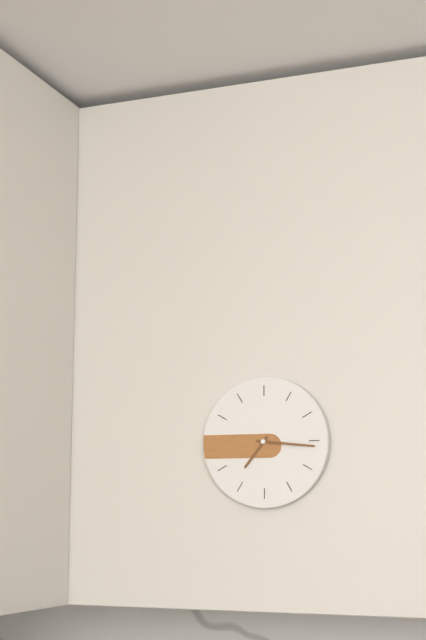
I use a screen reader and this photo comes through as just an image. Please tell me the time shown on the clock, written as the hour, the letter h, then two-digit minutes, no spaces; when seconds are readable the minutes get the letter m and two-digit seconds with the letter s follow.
7h16
